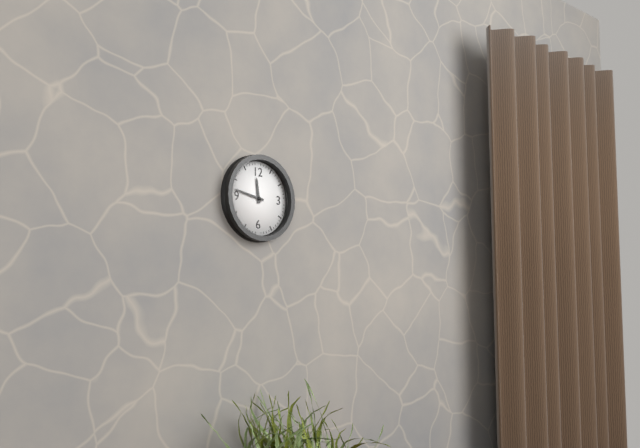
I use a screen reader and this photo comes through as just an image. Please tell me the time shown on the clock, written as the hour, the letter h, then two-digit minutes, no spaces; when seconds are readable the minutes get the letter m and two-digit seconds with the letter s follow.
11h47
